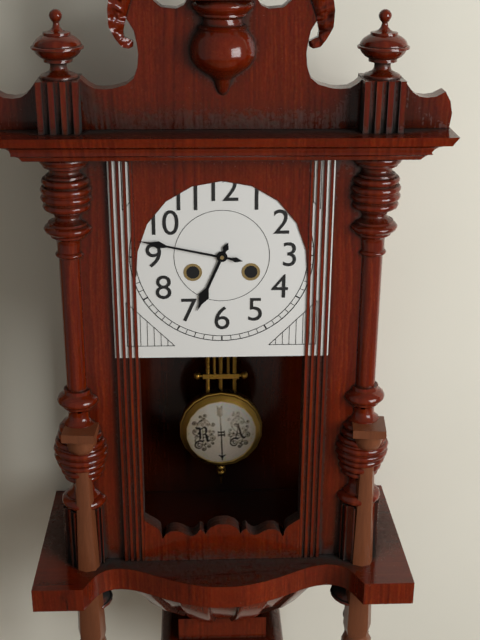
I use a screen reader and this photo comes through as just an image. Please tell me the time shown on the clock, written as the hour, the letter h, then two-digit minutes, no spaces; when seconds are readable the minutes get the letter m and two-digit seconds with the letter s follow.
6h47
